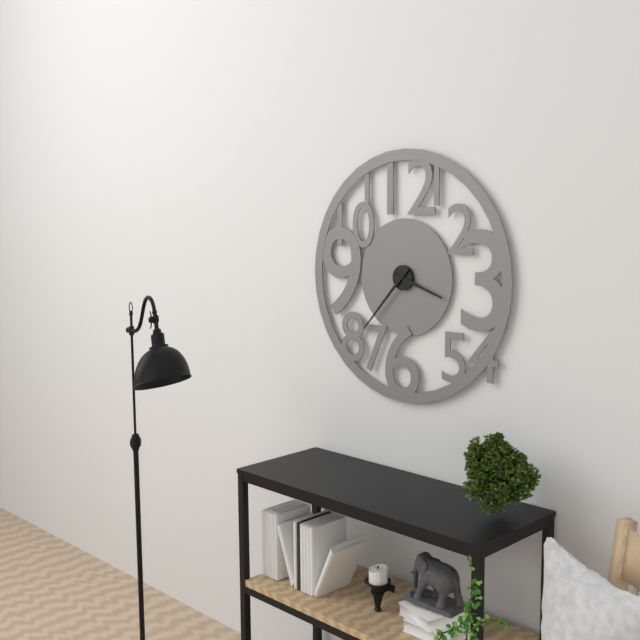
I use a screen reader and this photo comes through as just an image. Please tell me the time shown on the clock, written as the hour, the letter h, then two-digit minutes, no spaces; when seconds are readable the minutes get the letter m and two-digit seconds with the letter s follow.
3h37
